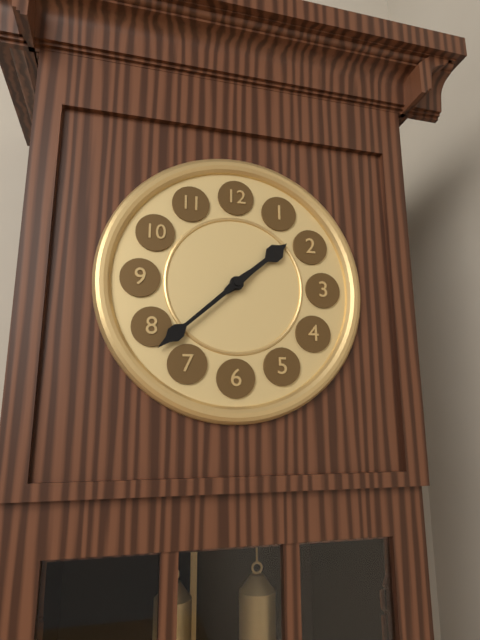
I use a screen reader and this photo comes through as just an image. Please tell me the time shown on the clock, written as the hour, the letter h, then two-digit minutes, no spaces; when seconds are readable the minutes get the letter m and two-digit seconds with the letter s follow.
1h38
